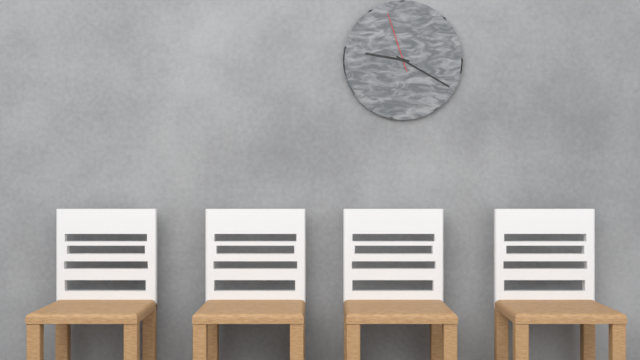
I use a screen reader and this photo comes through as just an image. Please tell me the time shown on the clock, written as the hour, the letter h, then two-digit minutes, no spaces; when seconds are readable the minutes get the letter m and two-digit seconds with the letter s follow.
9h20m57s
